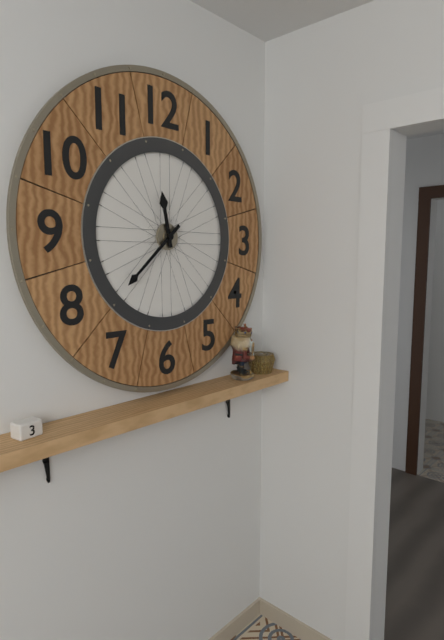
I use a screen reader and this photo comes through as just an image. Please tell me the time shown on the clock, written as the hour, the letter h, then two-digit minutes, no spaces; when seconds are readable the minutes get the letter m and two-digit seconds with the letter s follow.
11h38
